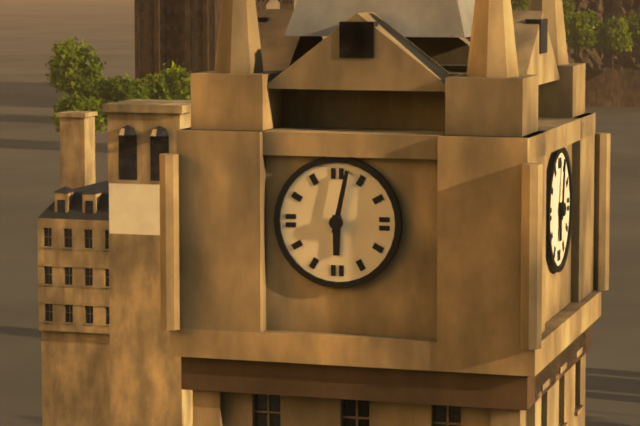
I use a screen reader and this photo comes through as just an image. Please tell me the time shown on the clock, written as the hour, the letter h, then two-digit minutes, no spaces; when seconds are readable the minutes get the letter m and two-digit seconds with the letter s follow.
6h02
